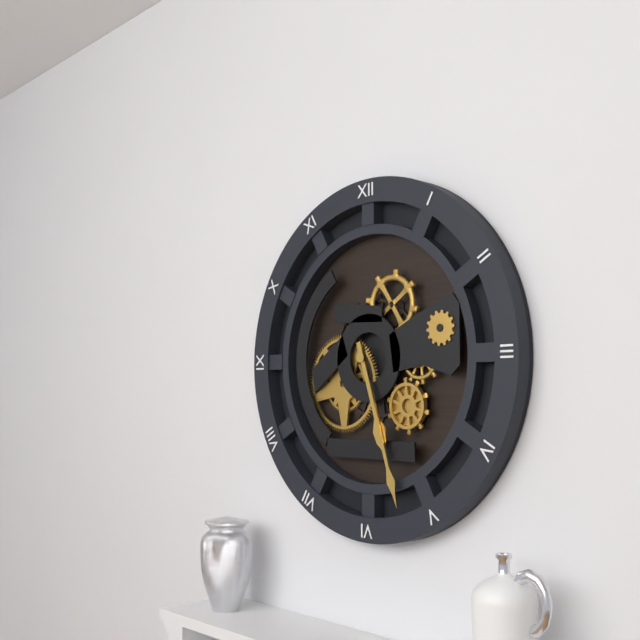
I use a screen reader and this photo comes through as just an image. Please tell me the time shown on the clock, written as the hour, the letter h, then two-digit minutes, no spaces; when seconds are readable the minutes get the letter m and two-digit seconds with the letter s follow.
5h27
